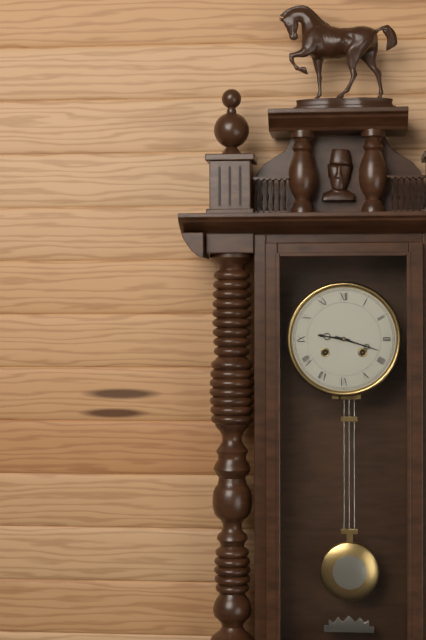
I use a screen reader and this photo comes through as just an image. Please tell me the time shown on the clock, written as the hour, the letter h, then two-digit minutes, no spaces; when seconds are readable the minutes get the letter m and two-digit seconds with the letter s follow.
9h18
